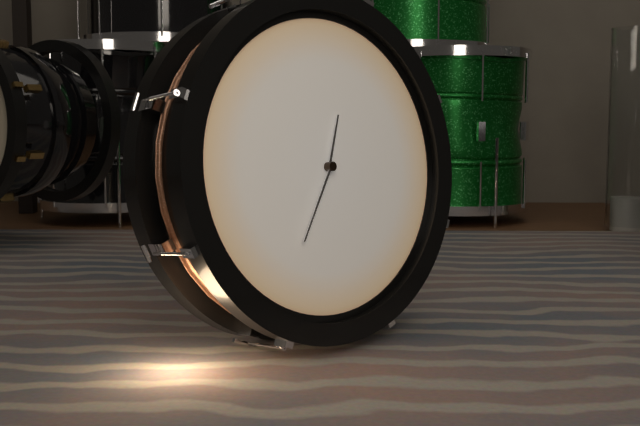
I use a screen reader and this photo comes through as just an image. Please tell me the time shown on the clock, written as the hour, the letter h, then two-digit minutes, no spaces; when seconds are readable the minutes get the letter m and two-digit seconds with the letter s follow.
12h35
